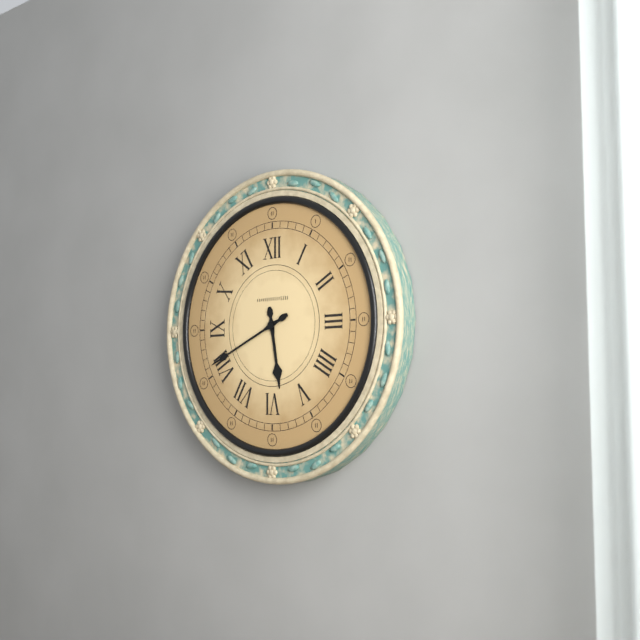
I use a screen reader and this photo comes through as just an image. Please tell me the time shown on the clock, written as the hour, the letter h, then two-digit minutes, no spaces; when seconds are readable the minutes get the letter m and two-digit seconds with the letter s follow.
5h41
